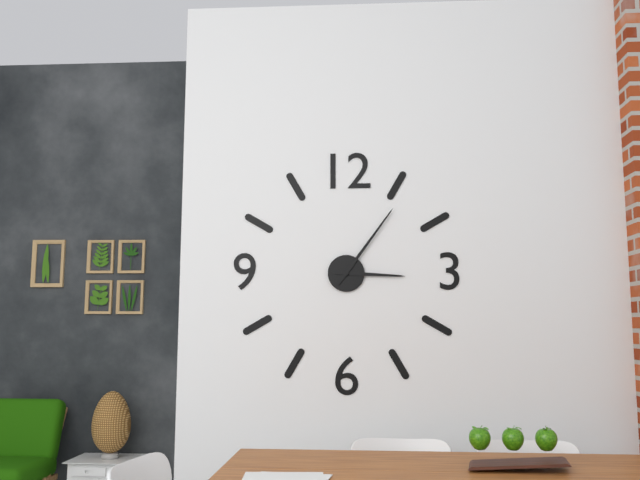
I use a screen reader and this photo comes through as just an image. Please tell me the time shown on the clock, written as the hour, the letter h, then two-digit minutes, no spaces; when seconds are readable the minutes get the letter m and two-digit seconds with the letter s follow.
3h06
